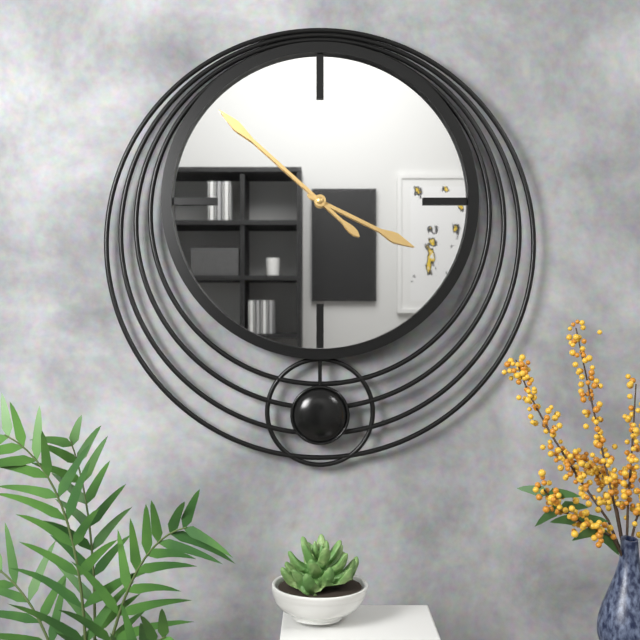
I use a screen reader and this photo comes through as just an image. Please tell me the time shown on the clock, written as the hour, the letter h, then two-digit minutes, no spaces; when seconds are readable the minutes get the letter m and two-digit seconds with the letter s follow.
3h52
